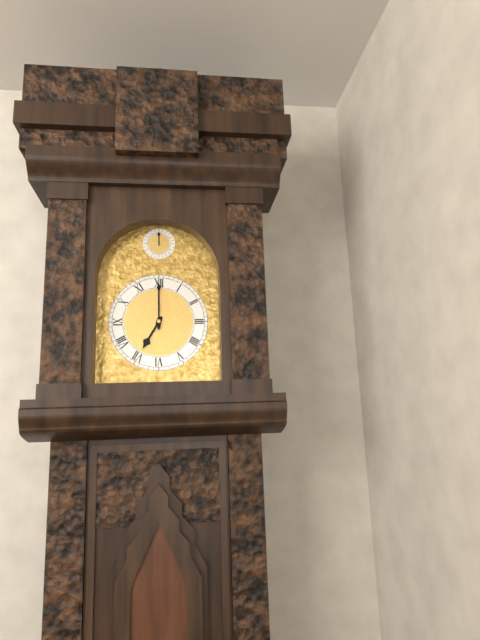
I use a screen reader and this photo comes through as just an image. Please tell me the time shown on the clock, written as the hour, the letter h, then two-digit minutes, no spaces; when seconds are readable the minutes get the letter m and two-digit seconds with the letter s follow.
7h00
